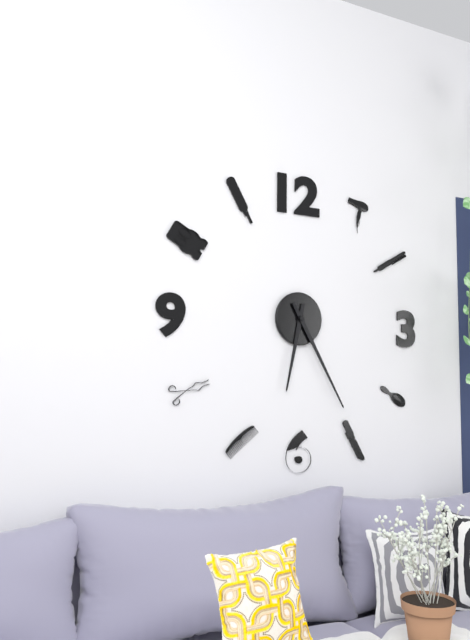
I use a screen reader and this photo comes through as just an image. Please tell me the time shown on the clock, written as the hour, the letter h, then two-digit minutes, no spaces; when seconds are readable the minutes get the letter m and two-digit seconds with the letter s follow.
6h25
